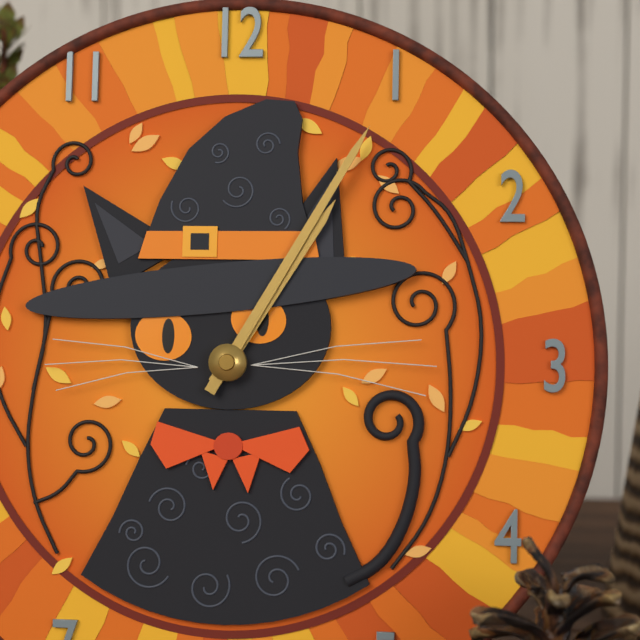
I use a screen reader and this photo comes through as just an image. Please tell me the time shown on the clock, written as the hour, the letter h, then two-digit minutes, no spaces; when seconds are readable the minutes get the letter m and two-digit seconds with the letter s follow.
1h05
